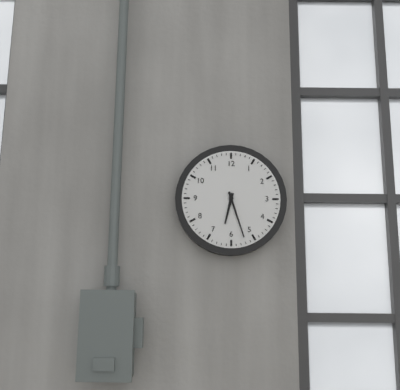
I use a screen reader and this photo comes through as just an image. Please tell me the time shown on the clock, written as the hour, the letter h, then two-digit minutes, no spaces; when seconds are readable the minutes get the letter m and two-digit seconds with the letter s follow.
6h27
